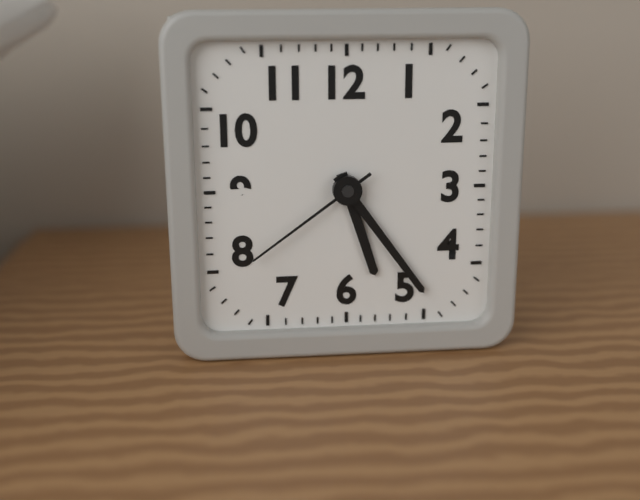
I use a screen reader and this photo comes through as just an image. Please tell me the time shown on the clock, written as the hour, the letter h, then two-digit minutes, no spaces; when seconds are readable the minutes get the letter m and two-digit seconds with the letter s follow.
5h24m39s
